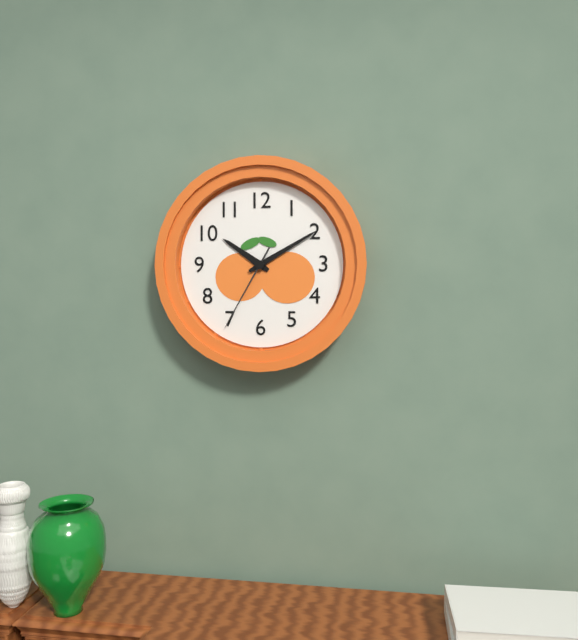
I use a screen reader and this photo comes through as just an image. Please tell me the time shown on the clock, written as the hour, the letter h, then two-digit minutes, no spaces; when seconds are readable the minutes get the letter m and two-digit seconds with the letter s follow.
10h10m35s
